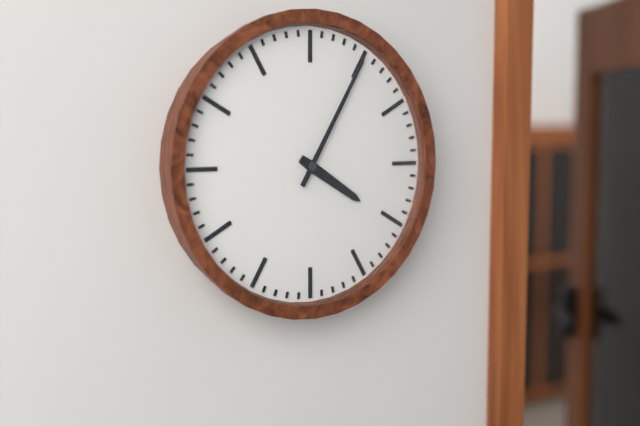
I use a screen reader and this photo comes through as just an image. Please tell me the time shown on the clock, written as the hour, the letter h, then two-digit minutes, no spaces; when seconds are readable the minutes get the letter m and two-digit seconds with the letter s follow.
4h05
